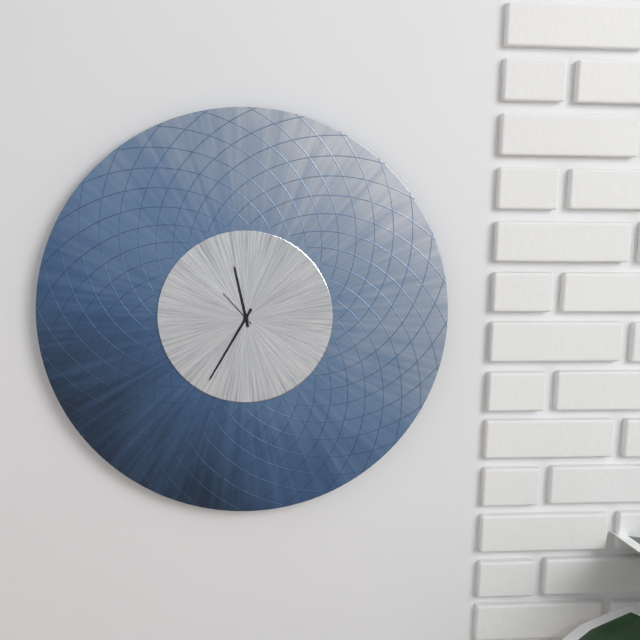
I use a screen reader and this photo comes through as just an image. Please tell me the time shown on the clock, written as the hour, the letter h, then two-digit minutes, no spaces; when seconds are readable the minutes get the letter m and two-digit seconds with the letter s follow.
11h35
